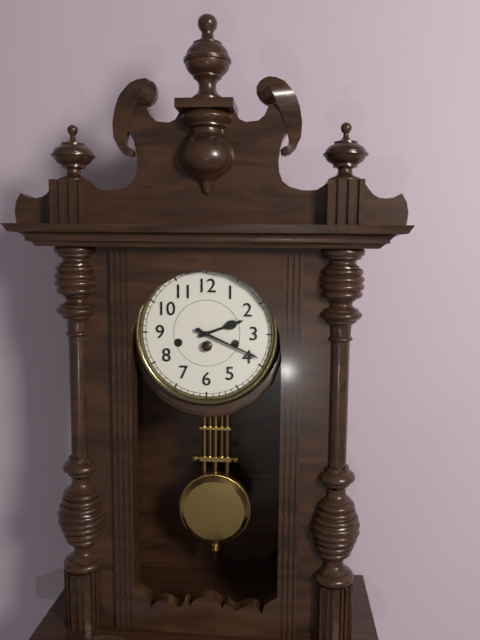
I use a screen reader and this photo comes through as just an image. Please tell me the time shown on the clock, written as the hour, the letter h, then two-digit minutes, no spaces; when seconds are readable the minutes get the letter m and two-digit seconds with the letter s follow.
2h19
